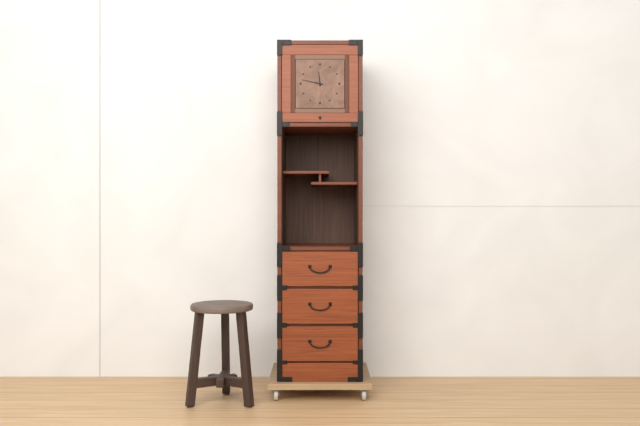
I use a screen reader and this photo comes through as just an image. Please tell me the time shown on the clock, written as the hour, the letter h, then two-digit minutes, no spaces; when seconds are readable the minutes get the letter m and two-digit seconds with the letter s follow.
11h47
